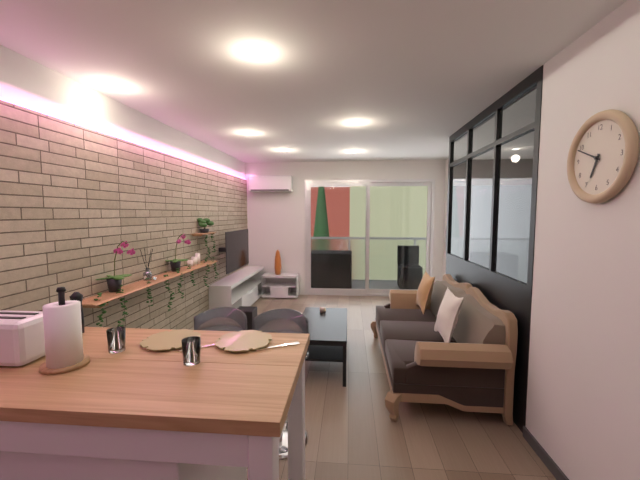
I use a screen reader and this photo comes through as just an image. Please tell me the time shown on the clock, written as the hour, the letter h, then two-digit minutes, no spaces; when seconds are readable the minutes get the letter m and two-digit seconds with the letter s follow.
6h49
